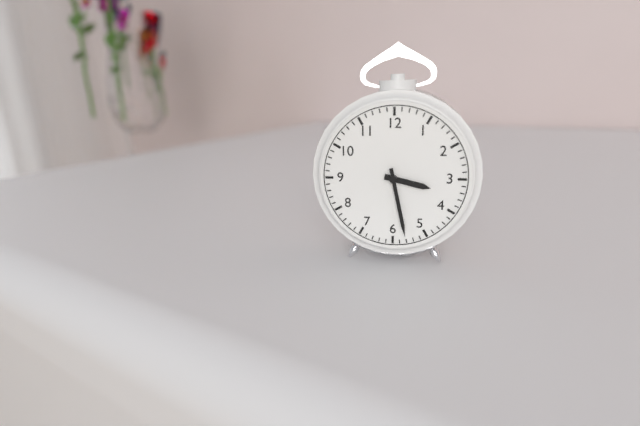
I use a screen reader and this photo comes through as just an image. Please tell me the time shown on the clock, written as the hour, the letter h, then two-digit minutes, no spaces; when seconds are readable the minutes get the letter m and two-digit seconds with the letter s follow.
3h28
